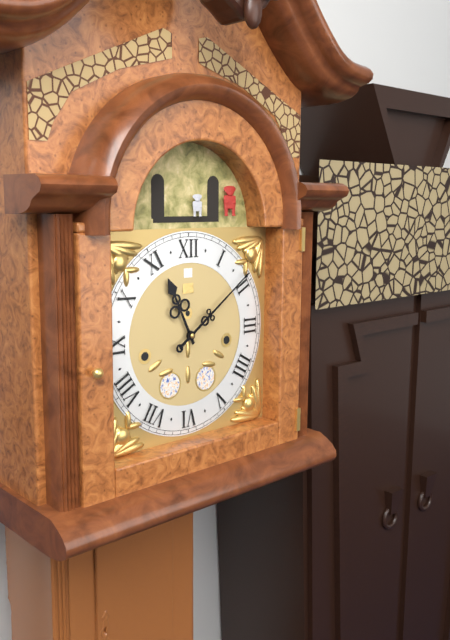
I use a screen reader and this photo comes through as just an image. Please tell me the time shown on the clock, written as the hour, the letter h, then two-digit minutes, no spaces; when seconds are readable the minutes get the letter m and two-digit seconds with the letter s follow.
11h09
